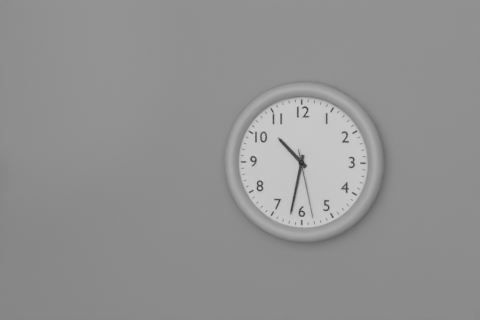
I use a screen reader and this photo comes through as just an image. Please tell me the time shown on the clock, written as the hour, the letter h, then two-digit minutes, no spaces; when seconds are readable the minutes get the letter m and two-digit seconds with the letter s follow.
10h32m28s
